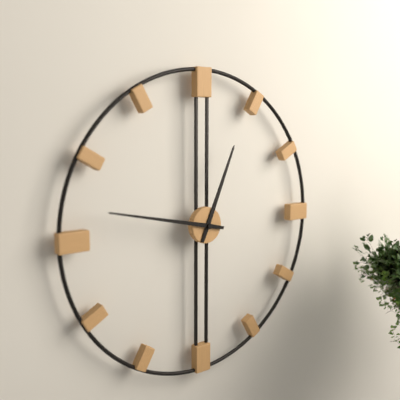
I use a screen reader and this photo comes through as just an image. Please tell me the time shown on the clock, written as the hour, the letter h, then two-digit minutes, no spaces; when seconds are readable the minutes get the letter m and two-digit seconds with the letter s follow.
12h47
